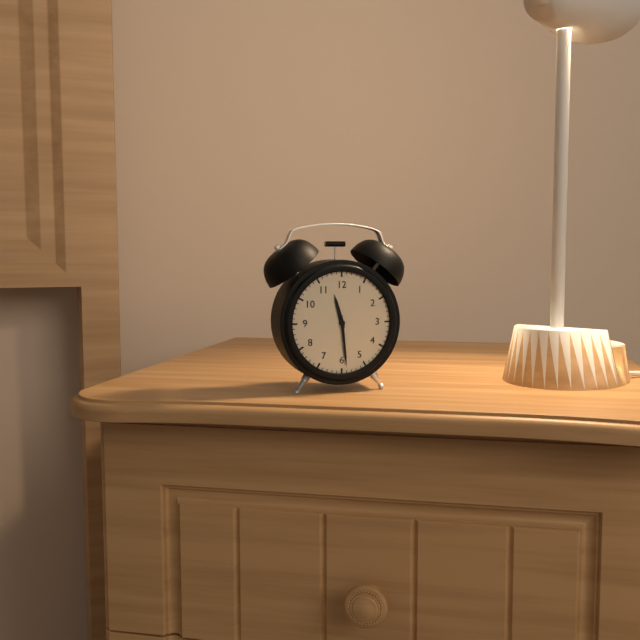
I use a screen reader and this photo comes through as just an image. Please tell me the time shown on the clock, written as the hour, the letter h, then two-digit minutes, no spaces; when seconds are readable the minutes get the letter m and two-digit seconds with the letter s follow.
11h29
